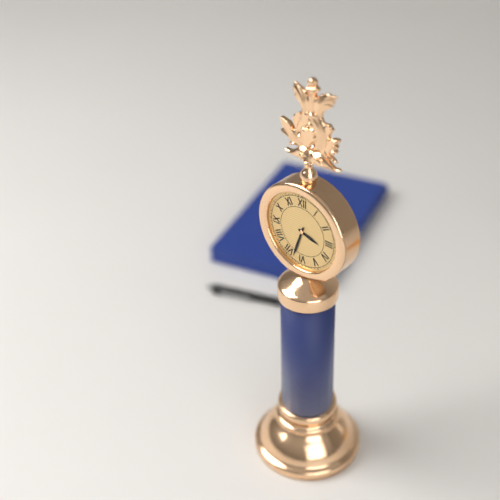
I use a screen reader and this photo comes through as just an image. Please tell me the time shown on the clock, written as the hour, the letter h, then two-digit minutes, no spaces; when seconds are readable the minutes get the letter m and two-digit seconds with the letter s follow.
3h33
